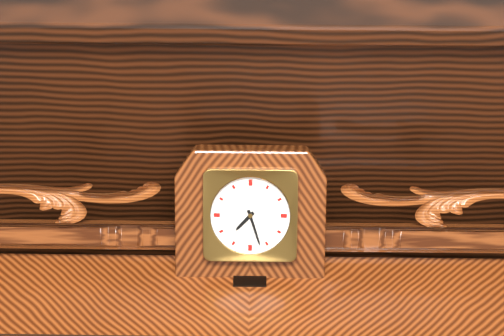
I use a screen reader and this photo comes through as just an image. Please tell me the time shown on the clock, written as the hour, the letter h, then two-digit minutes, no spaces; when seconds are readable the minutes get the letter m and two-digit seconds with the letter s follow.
7h27
